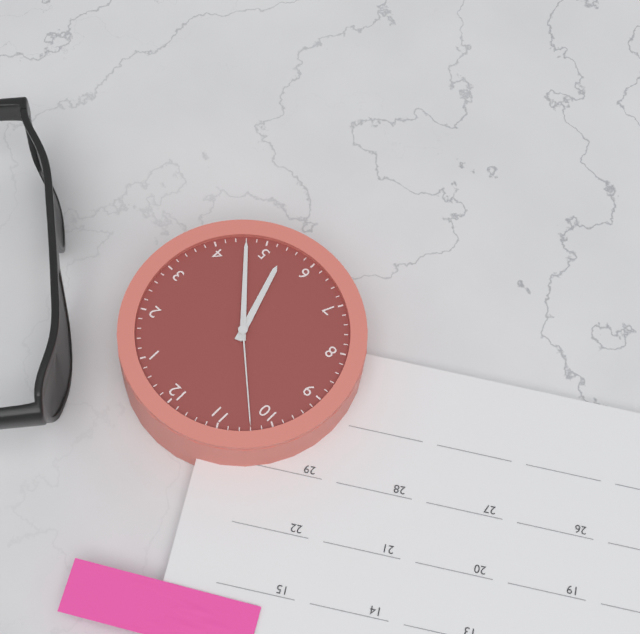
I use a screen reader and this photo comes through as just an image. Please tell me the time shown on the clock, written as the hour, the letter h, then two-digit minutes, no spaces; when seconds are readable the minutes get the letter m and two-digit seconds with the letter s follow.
5h23m52s
